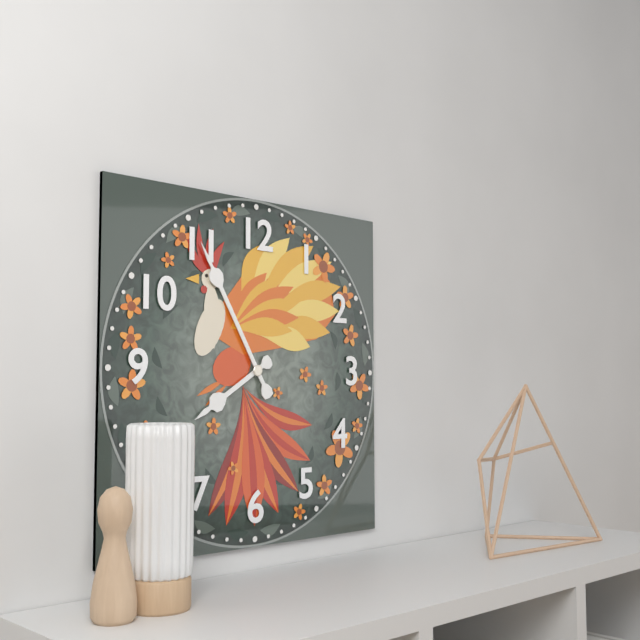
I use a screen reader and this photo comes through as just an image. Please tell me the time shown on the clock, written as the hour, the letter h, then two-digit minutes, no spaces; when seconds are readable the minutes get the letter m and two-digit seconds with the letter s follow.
7h55
